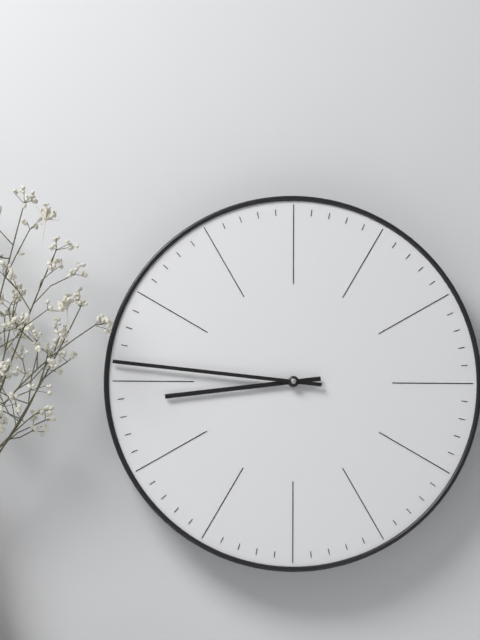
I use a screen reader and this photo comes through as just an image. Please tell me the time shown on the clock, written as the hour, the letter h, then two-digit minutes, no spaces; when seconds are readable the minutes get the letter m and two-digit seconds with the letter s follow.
8h46
